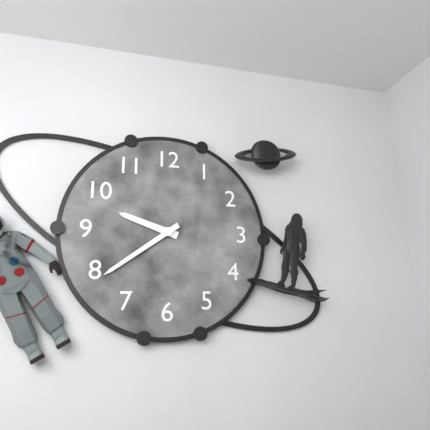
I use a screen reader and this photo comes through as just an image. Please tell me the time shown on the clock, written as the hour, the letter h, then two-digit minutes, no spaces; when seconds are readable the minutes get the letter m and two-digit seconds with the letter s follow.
9h39
